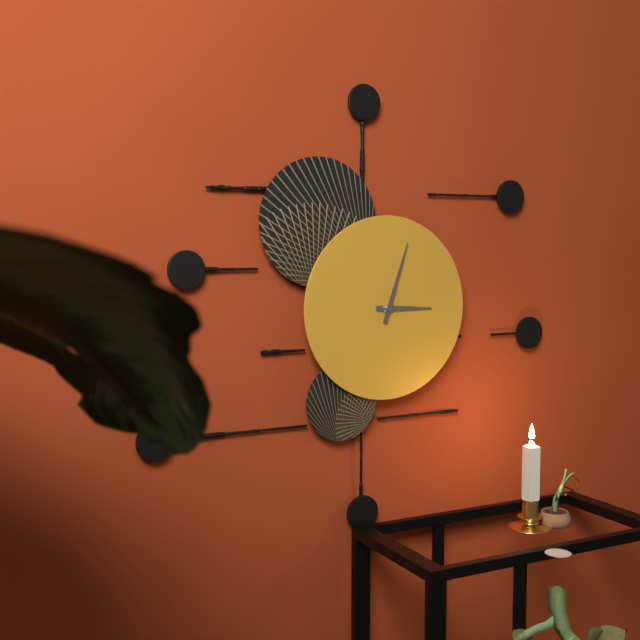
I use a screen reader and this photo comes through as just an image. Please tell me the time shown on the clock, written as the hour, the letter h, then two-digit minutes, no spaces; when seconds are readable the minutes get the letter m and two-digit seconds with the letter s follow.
3h03
